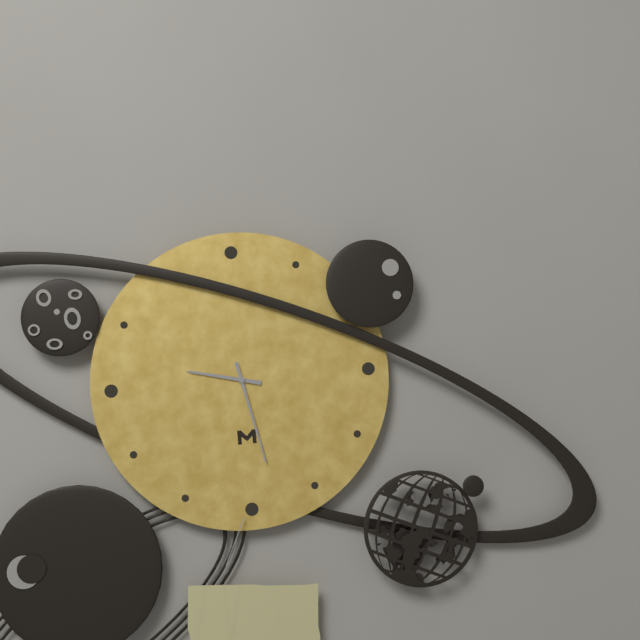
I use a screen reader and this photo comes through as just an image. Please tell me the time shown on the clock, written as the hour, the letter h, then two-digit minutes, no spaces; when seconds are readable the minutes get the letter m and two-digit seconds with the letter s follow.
9h28
